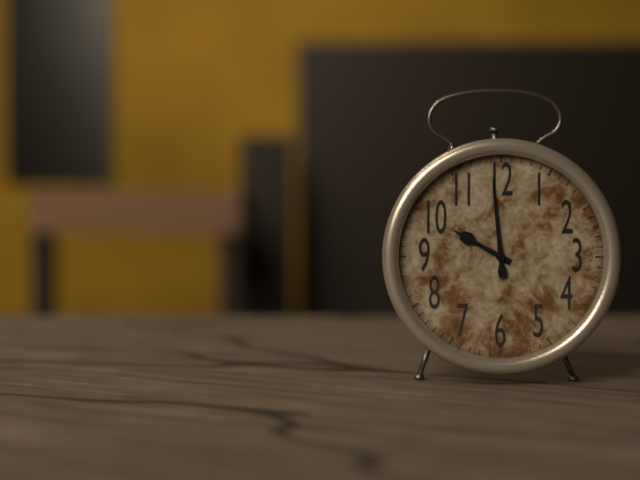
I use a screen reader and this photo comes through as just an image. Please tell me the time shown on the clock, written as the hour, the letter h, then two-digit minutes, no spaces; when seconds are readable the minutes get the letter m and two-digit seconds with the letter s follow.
9h59
